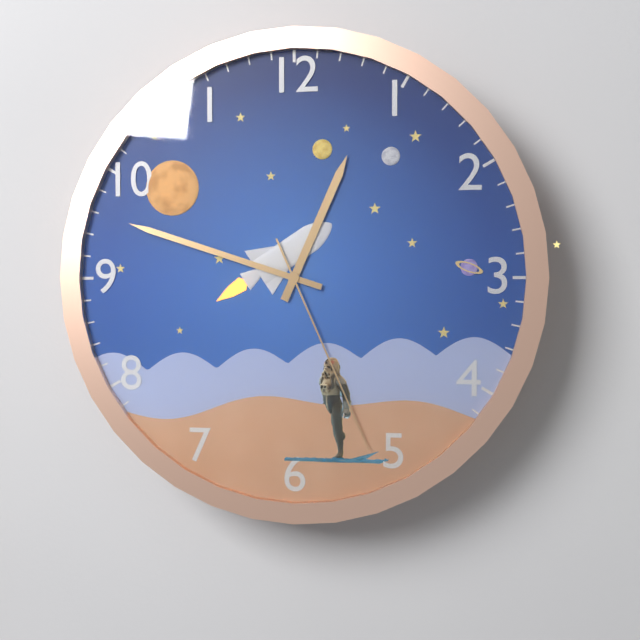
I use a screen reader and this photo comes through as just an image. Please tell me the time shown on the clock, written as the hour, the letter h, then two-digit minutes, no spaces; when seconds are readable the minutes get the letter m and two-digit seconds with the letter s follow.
12h48m26s
